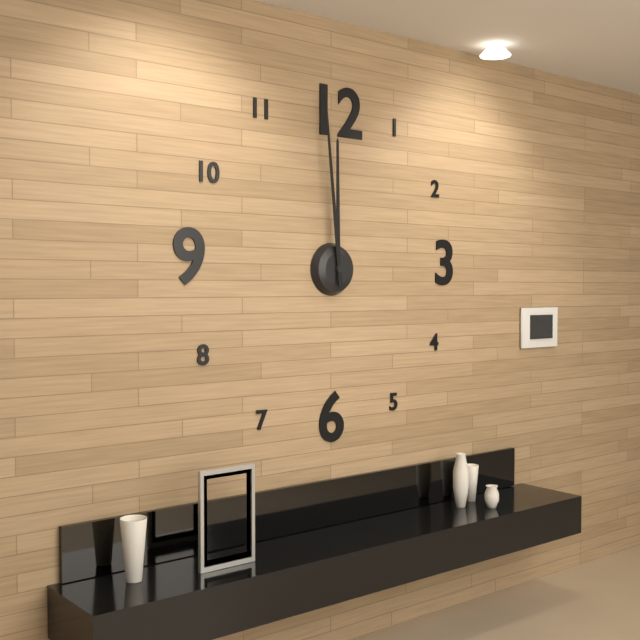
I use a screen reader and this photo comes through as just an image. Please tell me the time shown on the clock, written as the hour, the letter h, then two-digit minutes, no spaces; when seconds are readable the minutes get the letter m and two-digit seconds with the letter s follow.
11h59
